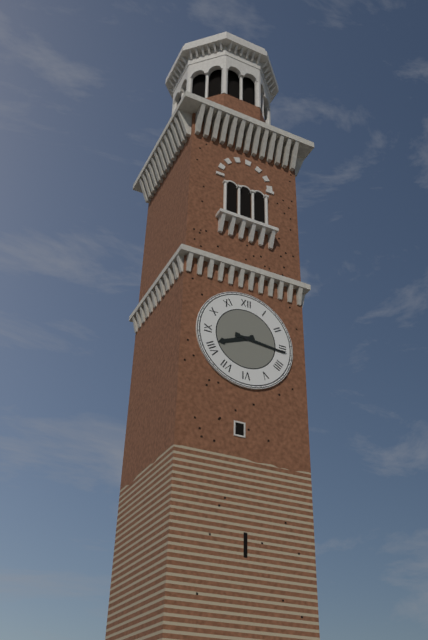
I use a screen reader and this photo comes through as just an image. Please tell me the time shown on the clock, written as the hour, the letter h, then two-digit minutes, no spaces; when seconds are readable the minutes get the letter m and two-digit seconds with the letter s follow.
8h16
